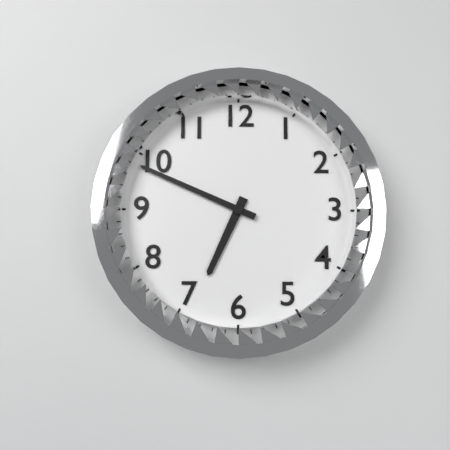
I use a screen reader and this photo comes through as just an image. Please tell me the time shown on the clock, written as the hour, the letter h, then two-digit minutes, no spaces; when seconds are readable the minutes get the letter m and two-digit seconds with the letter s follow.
6h49
